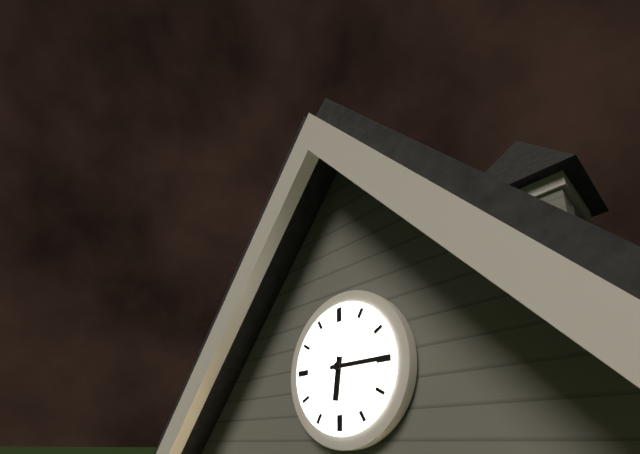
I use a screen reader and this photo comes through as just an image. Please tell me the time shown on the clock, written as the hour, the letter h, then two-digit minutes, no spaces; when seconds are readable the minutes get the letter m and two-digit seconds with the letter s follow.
6h15
